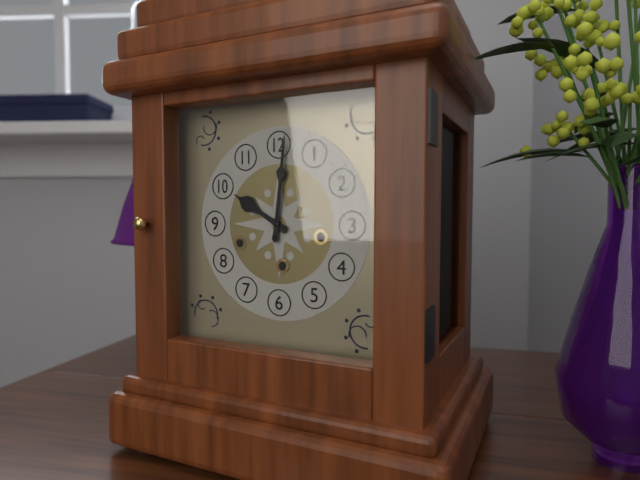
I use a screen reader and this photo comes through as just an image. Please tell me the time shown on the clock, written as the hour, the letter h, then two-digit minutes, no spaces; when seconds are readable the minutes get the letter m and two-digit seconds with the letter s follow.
10h01
